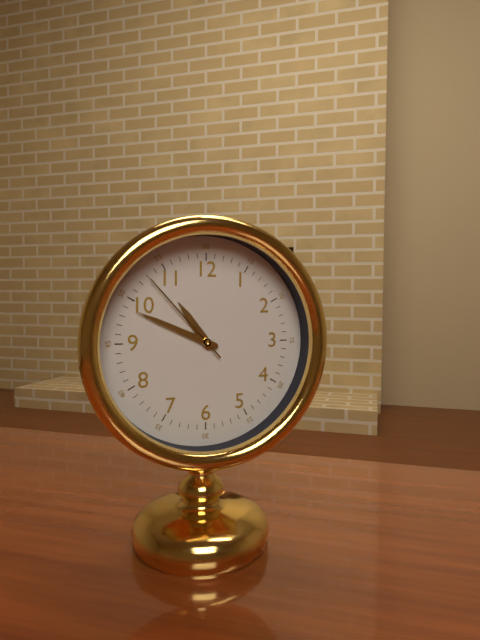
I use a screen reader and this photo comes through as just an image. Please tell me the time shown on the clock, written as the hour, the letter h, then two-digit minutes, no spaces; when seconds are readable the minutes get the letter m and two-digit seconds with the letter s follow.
10h49m53s
